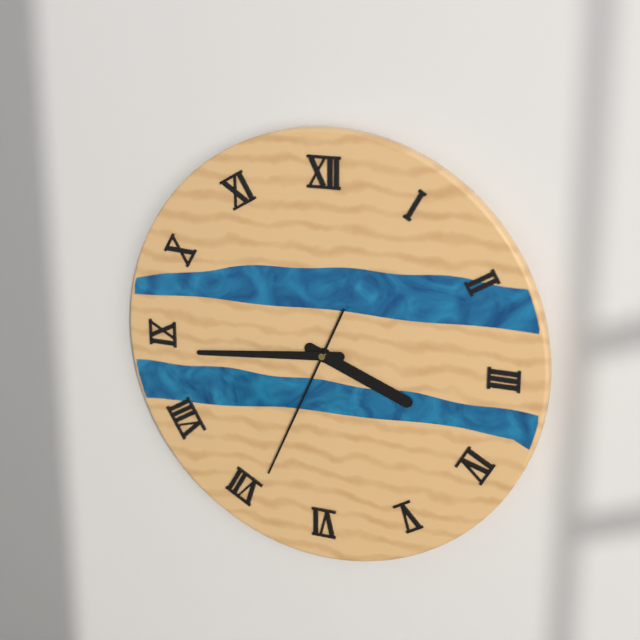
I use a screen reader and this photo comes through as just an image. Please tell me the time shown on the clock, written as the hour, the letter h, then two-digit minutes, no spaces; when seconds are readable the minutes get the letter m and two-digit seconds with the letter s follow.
3h44m34s
